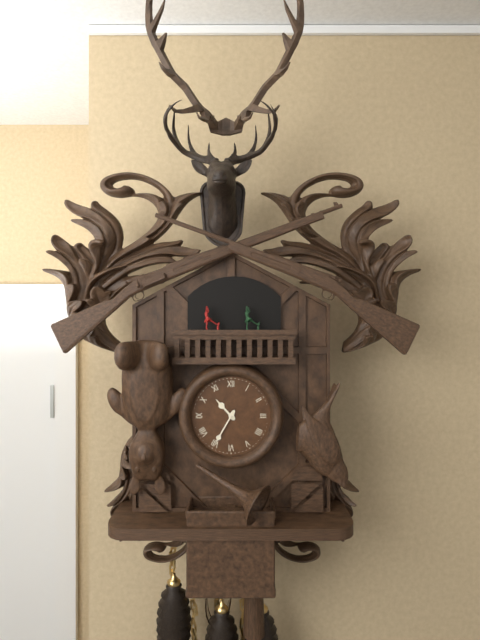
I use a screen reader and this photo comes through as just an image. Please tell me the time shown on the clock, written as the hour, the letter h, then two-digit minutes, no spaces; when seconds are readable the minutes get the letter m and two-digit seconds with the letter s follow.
10h35
